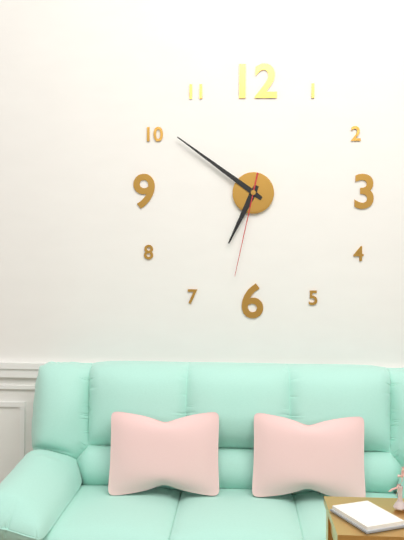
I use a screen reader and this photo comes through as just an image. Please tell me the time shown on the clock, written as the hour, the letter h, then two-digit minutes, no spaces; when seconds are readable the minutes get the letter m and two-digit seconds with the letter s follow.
6h51m32s
